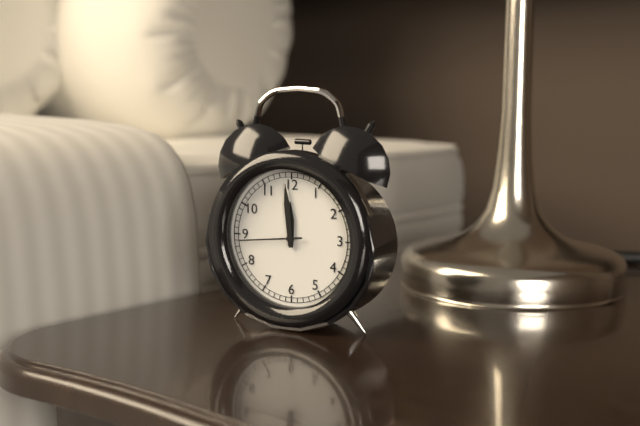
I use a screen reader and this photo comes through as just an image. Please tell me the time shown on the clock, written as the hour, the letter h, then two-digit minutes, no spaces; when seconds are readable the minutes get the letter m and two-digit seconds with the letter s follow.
11h59m44s
